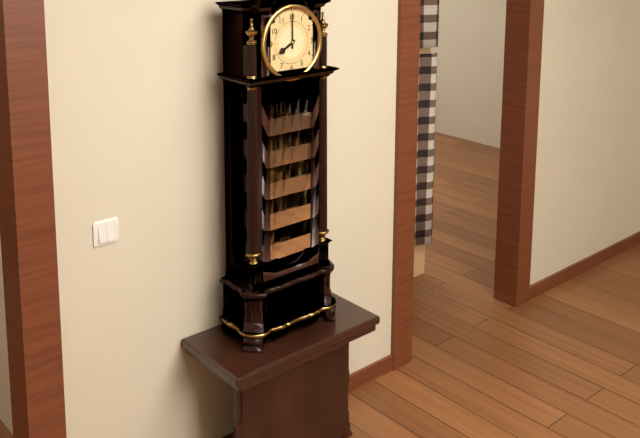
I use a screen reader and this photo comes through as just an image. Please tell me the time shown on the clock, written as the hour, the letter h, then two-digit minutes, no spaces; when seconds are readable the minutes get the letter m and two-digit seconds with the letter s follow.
8h00
